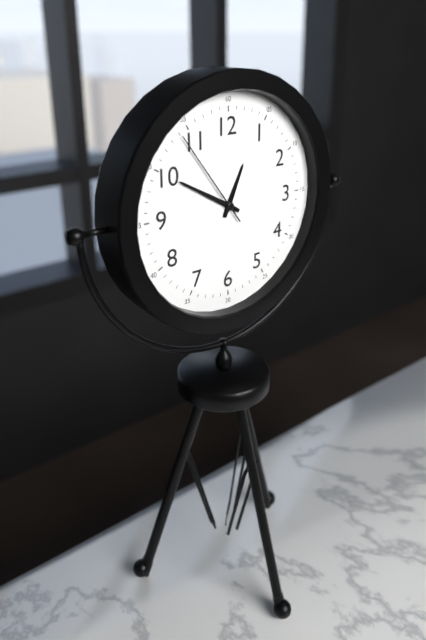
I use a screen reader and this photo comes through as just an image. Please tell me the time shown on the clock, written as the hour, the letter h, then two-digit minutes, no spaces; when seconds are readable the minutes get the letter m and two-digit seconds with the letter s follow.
12h50m54s
